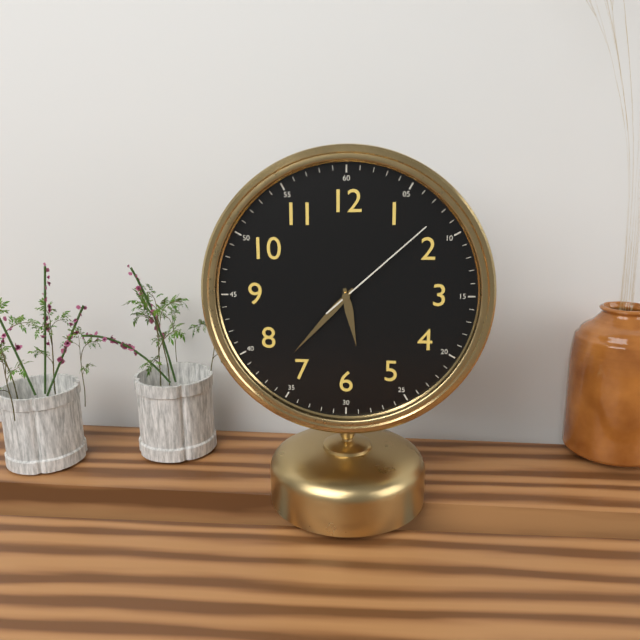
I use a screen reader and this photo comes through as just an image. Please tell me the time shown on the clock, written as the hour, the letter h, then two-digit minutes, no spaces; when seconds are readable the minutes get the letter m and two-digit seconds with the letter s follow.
5h37m08s
